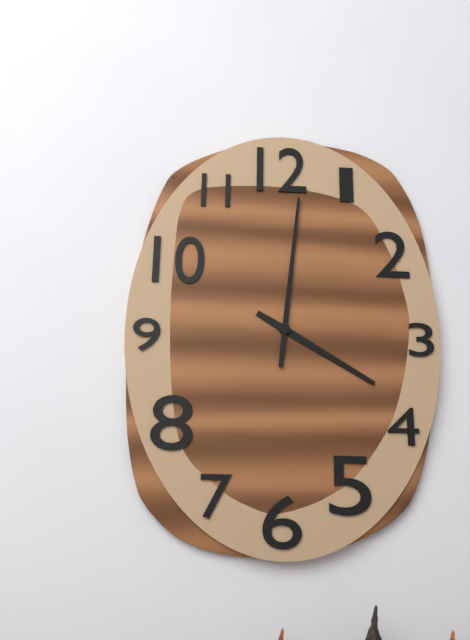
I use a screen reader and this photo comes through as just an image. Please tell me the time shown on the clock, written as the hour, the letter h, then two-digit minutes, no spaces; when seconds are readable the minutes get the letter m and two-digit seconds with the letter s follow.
4h01
